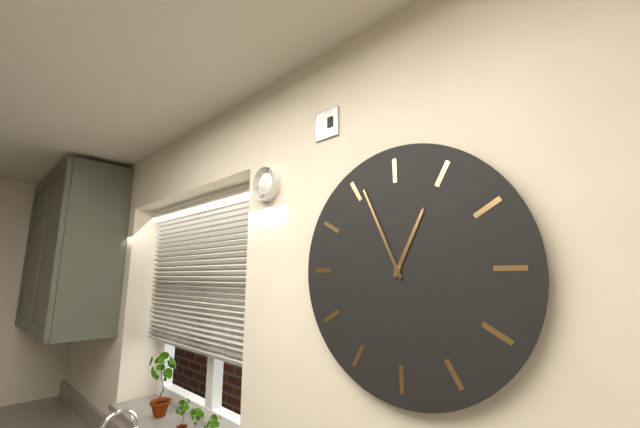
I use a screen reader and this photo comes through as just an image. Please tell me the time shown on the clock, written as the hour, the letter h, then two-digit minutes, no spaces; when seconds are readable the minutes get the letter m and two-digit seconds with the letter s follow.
12h56
